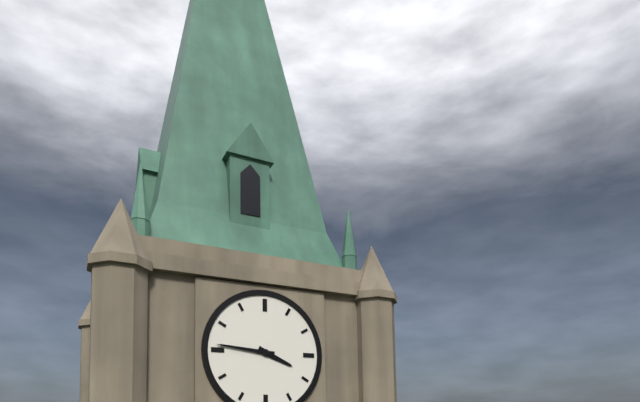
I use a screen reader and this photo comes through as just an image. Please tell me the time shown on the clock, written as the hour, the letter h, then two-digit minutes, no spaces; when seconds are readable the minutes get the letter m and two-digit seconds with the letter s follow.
3h46
